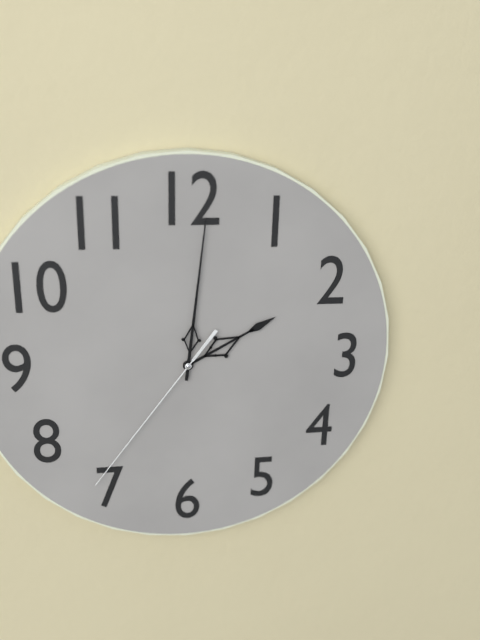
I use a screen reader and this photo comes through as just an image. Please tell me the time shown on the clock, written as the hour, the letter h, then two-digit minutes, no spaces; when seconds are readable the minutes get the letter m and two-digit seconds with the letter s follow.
2h01m36s
